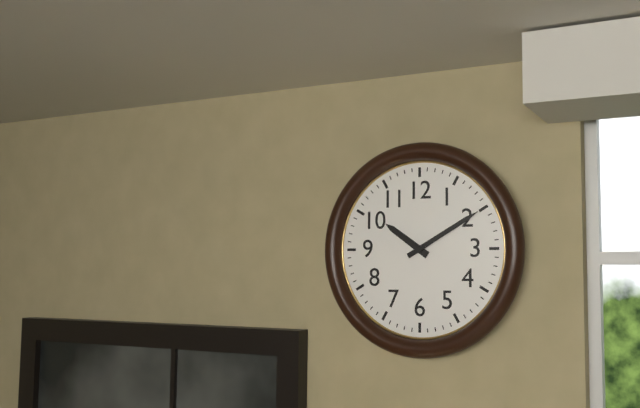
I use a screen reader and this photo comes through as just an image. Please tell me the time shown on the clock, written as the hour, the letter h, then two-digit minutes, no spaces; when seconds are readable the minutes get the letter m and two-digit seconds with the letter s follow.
10h10
